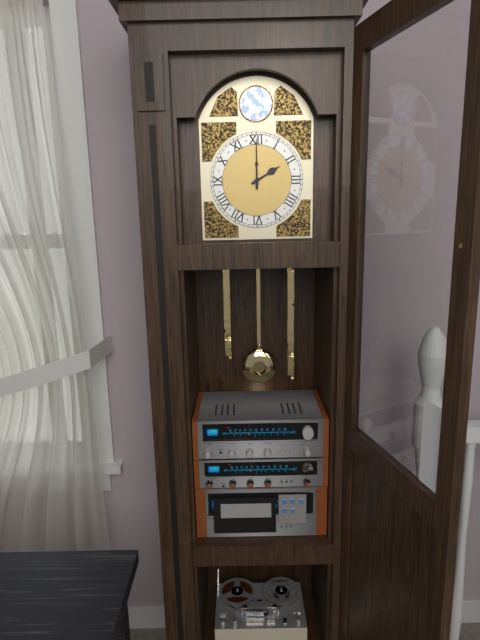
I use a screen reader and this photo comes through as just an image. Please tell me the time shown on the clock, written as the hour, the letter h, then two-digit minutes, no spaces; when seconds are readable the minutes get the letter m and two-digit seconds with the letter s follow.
2h00
